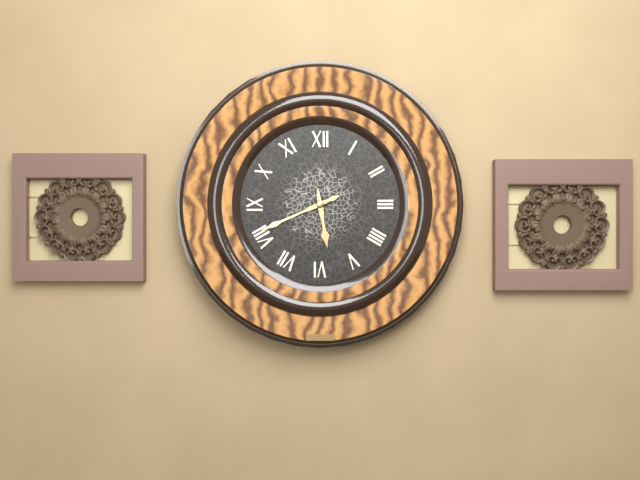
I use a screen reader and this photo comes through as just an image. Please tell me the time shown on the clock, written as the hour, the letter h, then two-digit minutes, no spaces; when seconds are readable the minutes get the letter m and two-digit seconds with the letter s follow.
5h41
